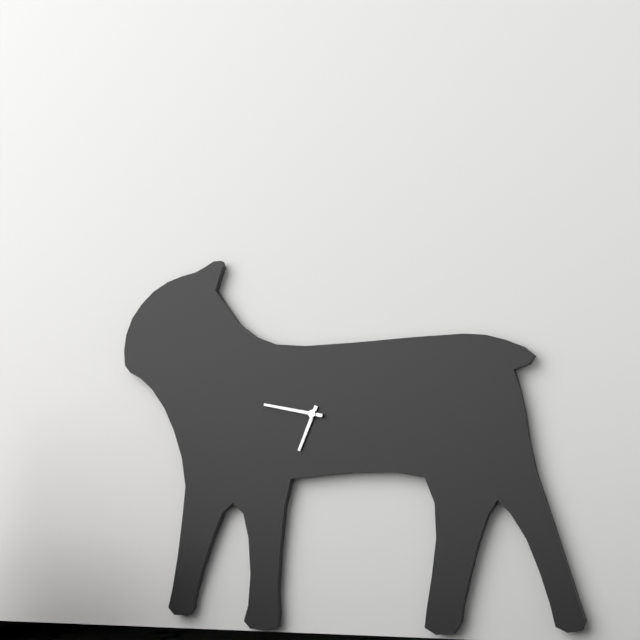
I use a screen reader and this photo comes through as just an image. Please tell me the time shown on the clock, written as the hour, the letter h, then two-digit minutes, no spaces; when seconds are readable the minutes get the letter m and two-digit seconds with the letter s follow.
6h47
